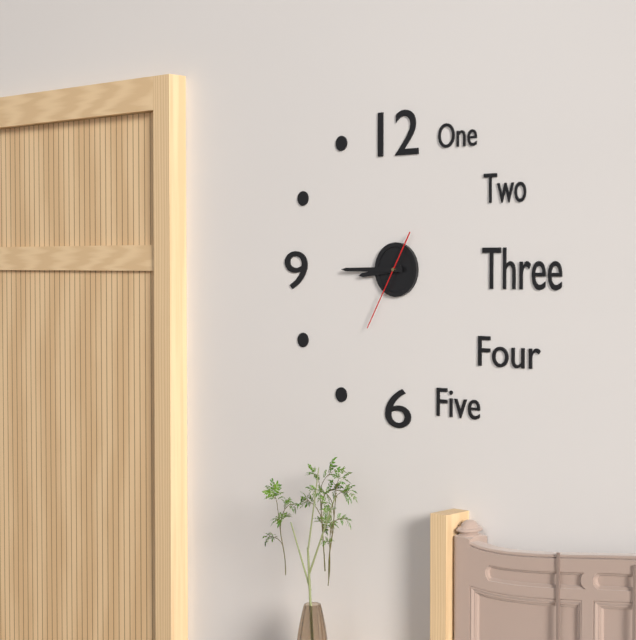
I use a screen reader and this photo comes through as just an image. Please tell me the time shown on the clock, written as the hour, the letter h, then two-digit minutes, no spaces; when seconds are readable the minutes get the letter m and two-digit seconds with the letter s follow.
8h45m35s
